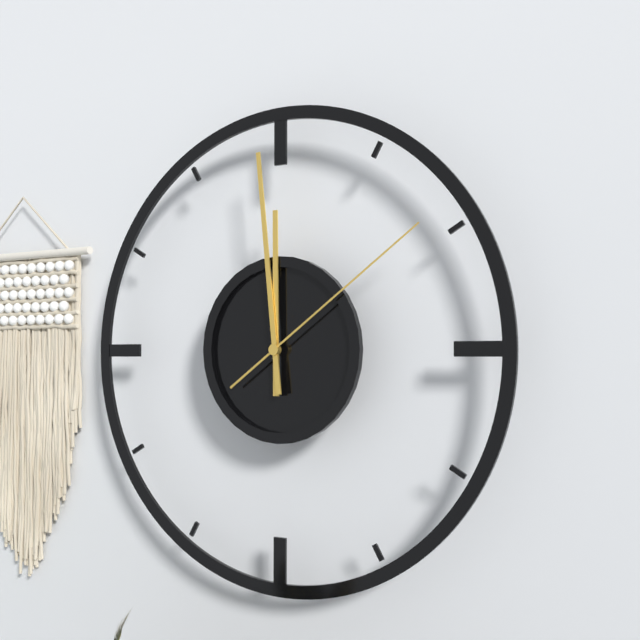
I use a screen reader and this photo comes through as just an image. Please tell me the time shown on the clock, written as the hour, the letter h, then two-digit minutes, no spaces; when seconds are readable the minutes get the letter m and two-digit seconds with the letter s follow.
11h59m09s
